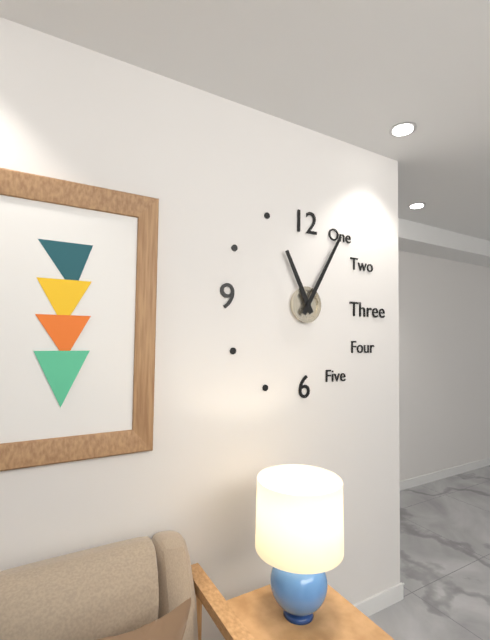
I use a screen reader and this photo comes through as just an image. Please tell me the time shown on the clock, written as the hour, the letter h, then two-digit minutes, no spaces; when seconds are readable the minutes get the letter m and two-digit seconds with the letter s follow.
11h05
